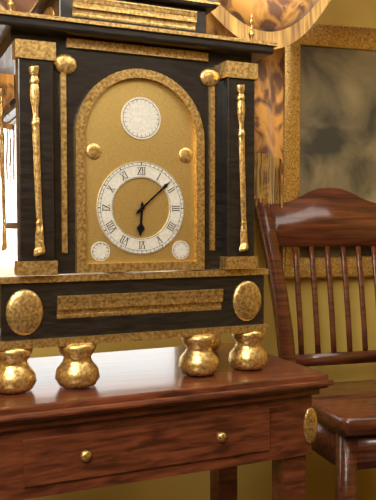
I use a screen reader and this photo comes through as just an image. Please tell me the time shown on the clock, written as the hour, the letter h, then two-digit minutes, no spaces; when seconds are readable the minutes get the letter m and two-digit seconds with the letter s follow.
6h08
